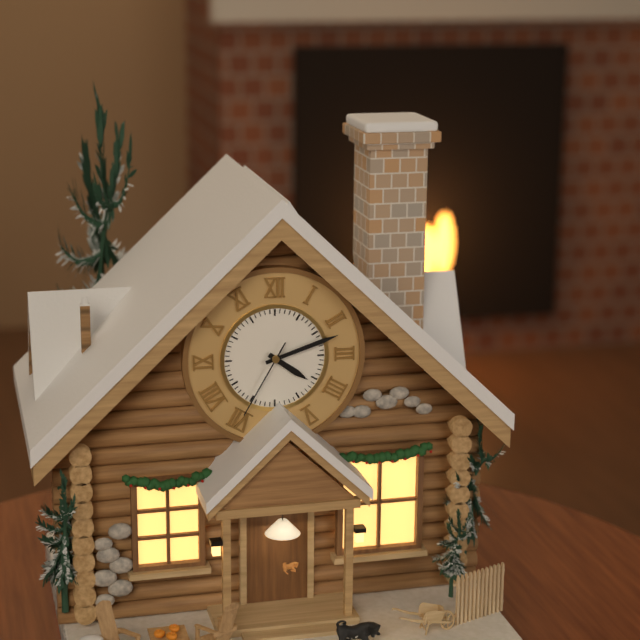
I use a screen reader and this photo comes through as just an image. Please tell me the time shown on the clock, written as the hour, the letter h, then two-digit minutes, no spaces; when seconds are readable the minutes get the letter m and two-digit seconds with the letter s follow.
4h12m35s
